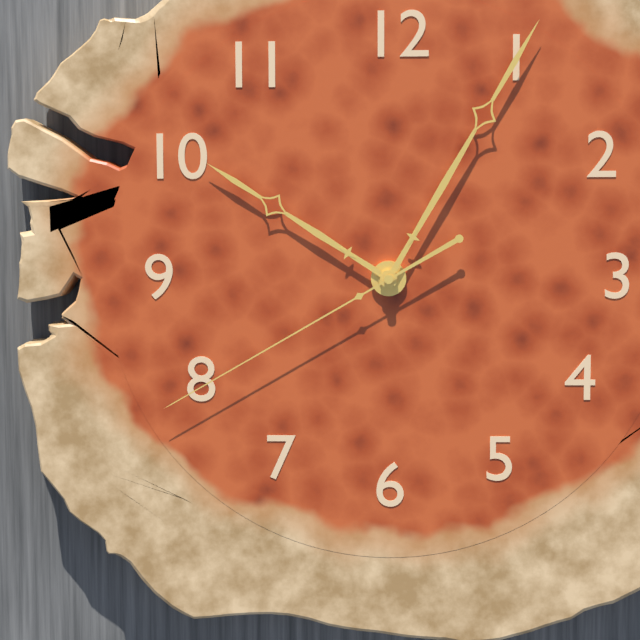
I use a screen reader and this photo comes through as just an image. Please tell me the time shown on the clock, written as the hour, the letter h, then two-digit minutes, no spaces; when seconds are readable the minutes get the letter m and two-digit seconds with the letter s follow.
10h05m40s
